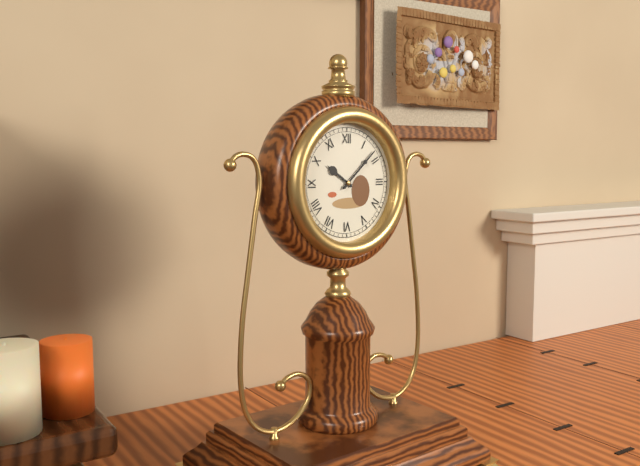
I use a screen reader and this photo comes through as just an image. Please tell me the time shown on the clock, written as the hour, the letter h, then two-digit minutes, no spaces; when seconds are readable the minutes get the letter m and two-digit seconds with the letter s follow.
10h08
